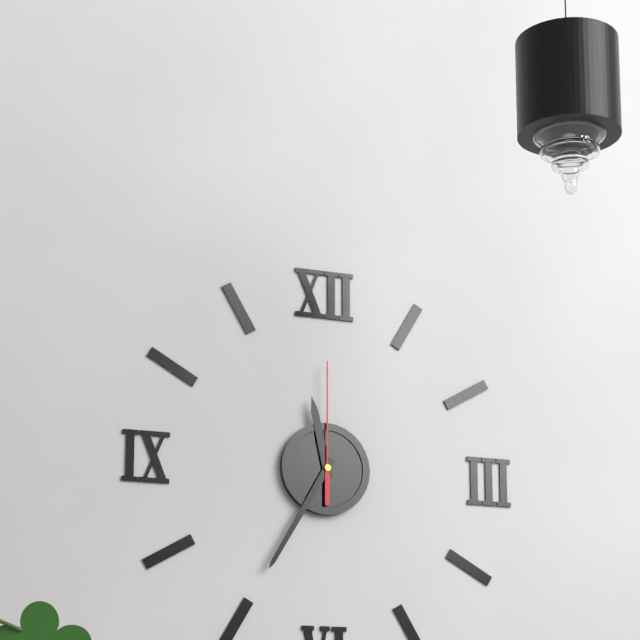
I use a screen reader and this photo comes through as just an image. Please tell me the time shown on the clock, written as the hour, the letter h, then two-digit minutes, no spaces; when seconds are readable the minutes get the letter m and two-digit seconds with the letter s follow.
11h35m00s
